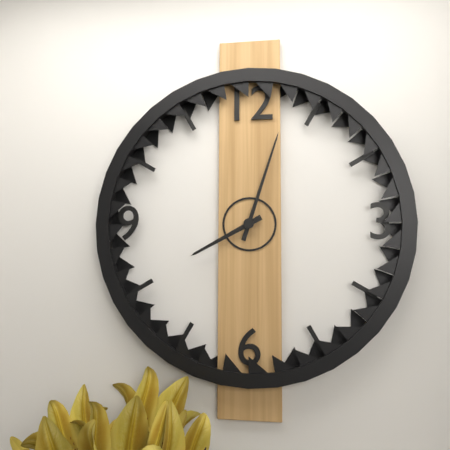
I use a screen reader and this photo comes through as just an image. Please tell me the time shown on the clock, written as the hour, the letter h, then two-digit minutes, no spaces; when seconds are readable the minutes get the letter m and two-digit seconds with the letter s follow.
8h03
